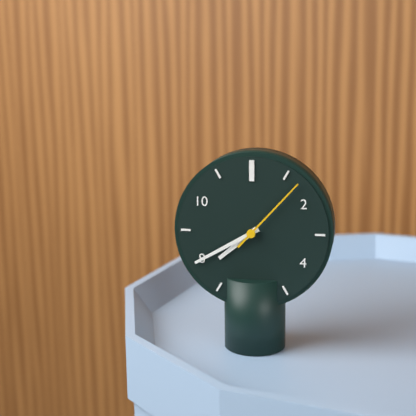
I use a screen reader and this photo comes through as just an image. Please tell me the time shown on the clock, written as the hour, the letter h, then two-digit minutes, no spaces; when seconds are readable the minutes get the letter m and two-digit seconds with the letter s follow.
7h40m07s
